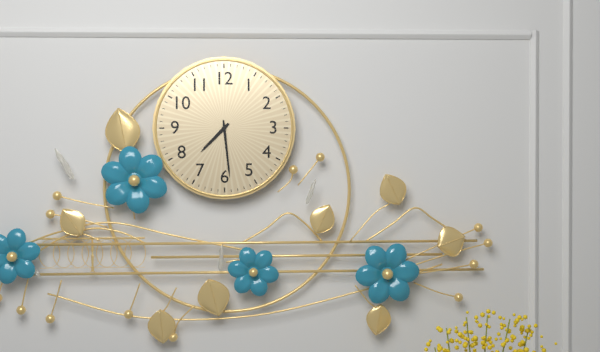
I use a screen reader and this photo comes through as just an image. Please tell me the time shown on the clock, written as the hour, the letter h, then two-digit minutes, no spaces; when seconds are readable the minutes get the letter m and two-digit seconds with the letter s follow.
7h29
